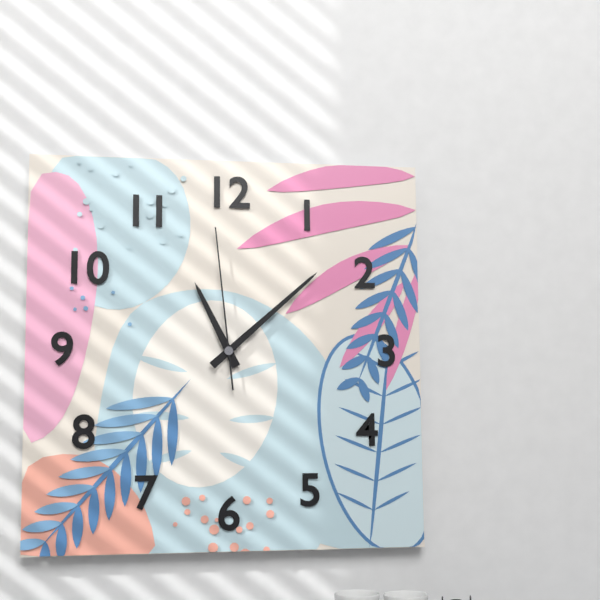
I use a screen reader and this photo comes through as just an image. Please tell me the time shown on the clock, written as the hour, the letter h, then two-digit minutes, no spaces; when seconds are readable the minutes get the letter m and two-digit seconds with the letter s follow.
11h08m59s
